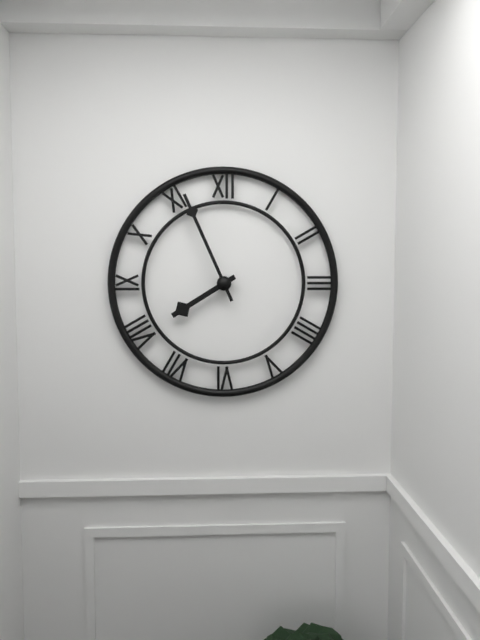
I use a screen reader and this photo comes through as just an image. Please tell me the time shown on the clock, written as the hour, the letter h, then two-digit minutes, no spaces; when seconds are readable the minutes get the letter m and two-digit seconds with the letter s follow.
7h56
